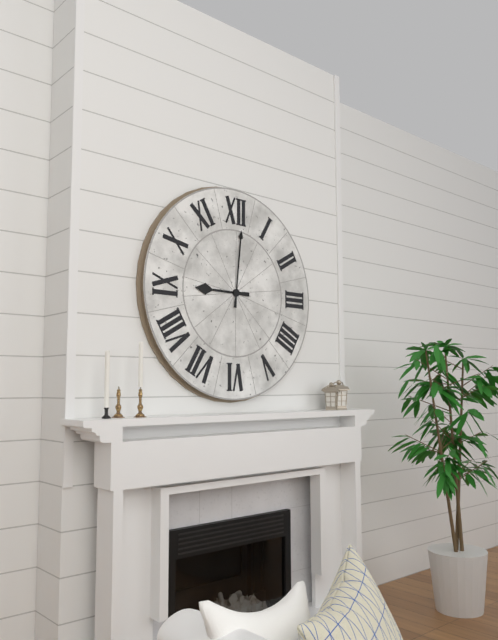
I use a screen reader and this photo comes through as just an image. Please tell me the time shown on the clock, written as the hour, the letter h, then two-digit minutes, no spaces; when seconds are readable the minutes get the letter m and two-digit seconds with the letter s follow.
9h01
